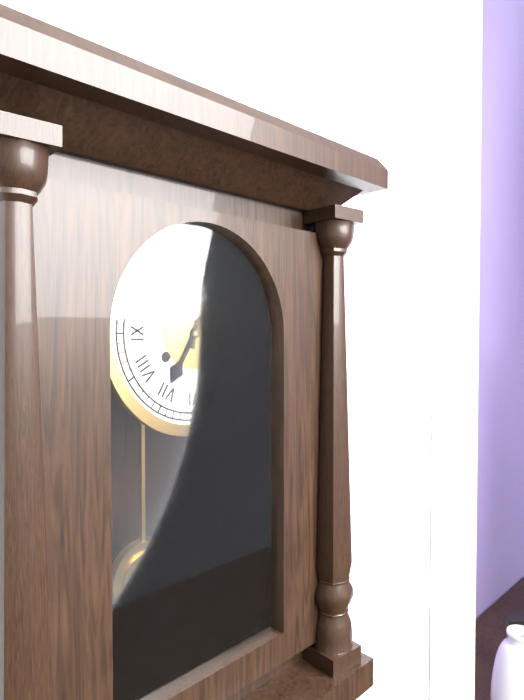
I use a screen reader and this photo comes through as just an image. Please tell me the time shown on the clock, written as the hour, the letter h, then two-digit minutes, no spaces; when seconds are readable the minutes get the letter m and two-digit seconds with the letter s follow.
7h02
